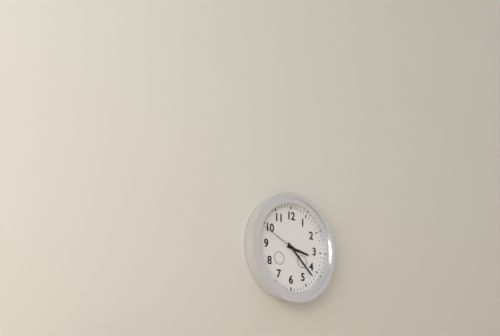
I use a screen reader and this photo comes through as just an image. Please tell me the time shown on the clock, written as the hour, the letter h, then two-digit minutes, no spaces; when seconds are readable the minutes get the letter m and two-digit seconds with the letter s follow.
3h22
